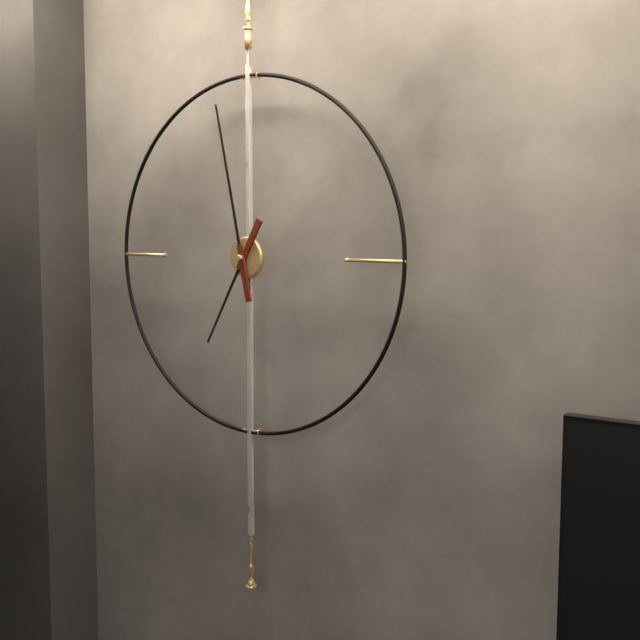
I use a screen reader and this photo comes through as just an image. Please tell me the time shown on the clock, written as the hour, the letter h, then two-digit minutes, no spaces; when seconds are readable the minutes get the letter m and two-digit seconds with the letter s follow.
6h58
